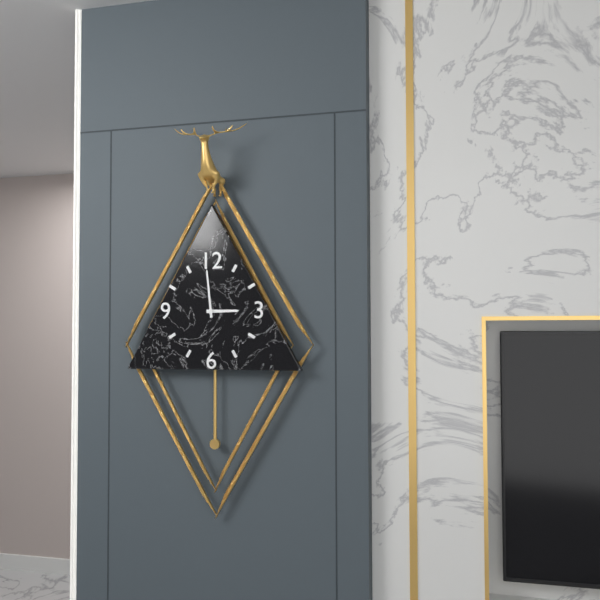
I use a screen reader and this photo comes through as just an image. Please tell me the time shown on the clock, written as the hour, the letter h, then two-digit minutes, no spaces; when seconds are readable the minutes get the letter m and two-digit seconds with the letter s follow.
2h59
